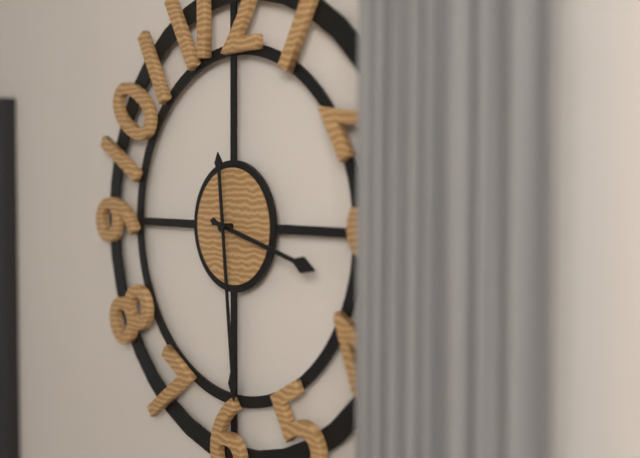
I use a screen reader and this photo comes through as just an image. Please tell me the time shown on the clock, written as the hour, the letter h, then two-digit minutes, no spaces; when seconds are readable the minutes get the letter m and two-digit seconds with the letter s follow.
3h29
